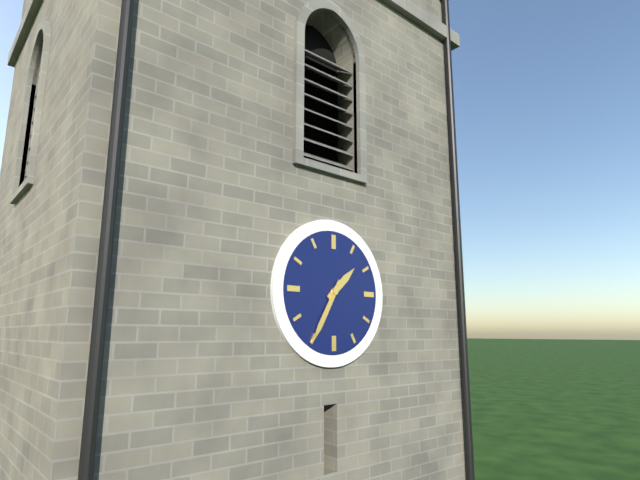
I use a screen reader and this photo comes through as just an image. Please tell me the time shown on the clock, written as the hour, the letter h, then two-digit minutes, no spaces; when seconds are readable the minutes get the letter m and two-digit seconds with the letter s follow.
1h35
